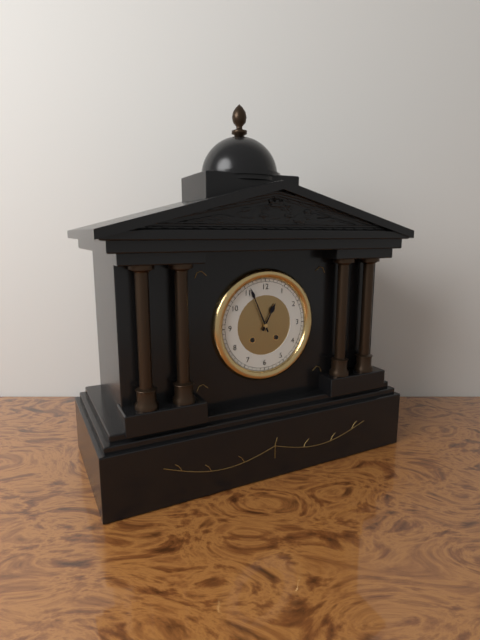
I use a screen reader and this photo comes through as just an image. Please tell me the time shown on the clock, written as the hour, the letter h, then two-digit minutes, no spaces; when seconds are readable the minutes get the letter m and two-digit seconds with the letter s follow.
12h56
